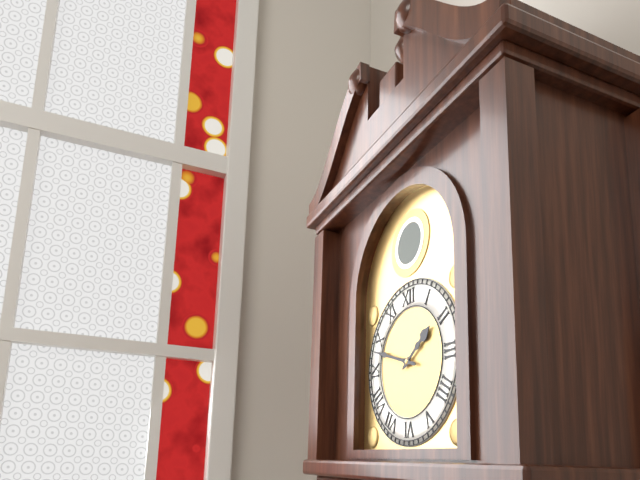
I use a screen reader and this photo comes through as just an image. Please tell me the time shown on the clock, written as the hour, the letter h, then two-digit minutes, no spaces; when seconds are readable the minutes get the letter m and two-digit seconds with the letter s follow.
1h48
